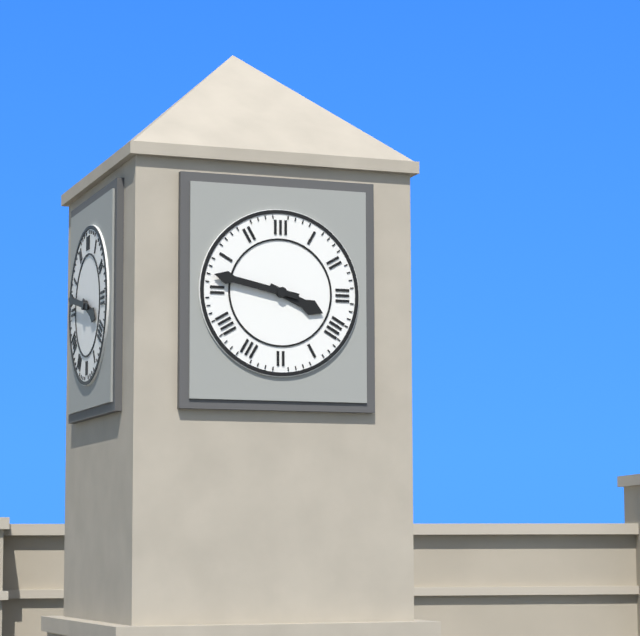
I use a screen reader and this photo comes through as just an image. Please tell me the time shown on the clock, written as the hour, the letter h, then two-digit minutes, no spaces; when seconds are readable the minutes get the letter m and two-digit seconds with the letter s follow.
3h47
